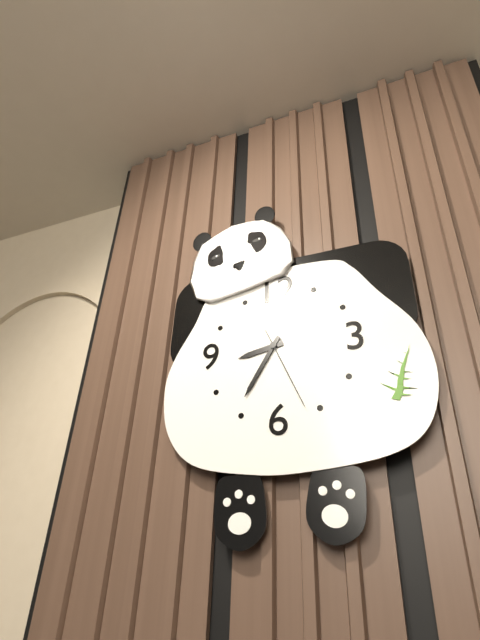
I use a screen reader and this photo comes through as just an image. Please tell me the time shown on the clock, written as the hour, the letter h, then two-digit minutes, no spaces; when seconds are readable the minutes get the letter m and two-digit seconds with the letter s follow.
8h35m26s
